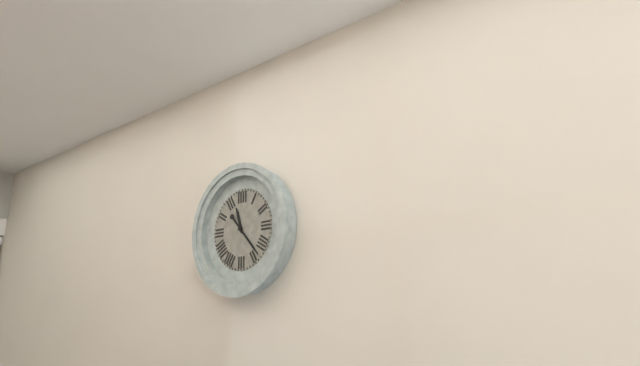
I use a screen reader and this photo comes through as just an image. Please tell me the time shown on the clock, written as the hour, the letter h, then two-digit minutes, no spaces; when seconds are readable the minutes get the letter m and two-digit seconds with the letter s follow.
11h23
